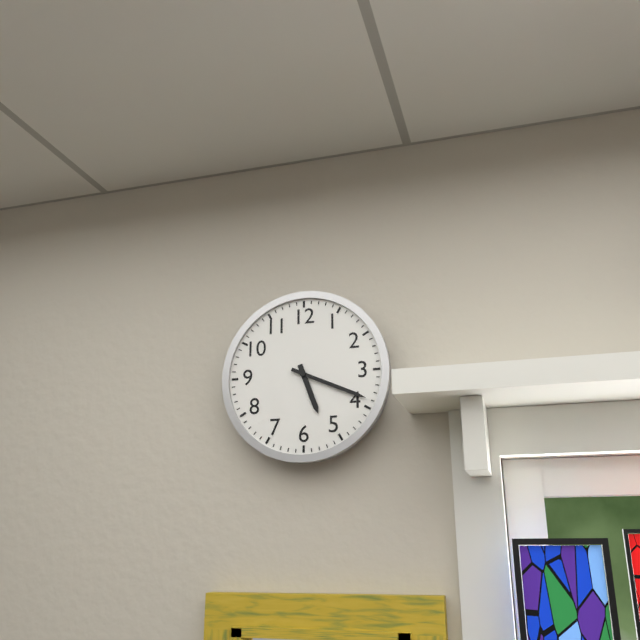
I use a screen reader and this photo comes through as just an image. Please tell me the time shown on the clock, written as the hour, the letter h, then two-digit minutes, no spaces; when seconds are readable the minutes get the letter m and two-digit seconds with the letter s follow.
5h19
